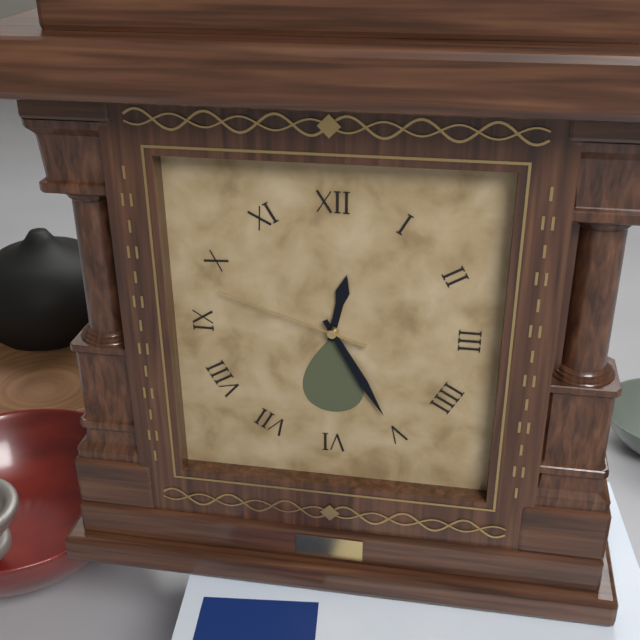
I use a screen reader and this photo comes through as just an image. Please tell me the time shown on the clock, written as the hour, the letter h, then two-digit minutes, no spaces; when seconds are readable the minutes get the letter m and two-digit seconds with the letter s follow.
12h25m48s
